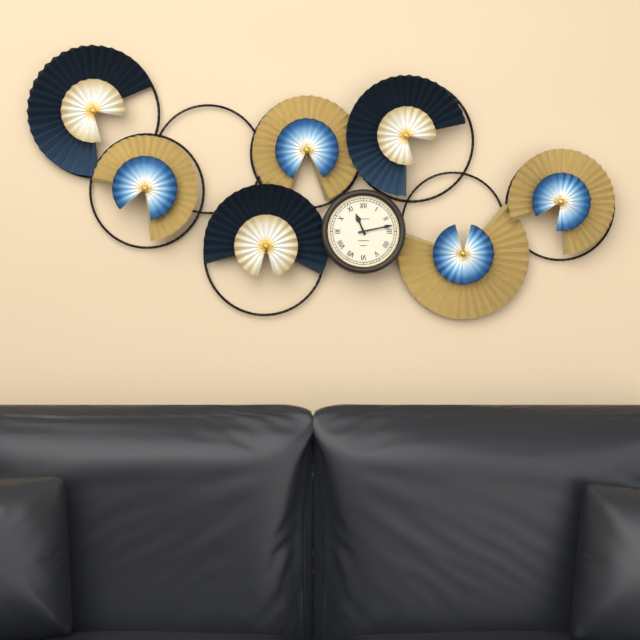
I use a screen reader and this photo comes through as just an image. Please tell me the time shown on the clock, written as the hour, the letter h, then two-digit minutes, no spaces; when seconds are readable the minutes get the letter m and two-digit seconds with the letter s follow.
11h13
